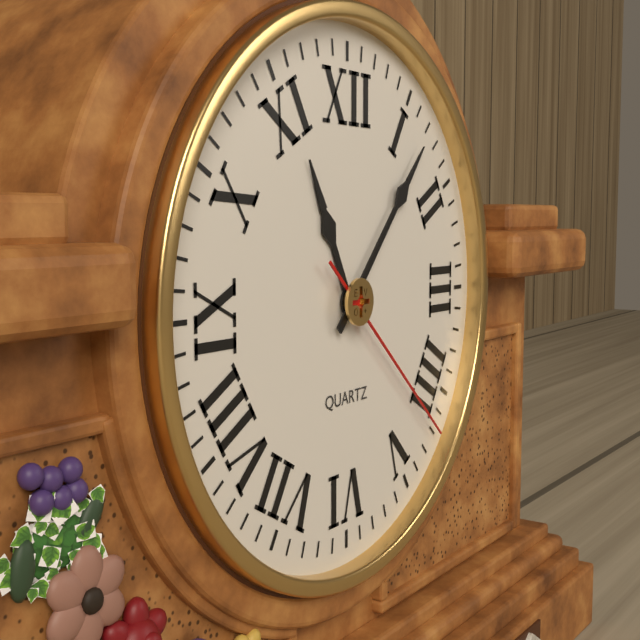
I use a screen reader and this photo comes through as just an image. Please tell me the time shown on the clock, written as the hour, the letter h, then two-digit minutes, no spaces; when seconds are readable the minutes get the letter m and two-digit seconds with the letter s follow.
11h07m22s
